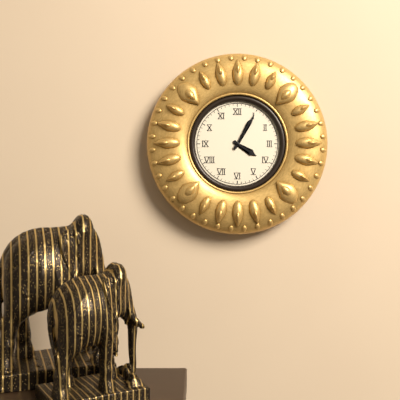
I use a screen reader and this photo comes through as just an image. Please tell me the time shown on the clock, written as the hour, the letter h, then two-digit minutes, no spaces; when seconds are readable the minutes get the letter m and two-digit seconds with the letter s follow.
4h05
